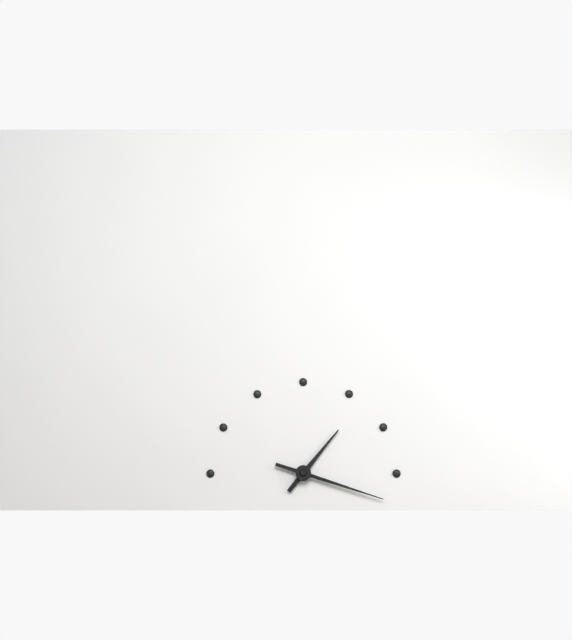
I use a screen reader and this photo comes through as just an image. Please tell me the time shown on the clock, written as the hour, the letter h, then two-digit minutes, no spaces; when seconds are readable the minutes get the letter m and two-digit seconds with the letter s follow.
1h18
